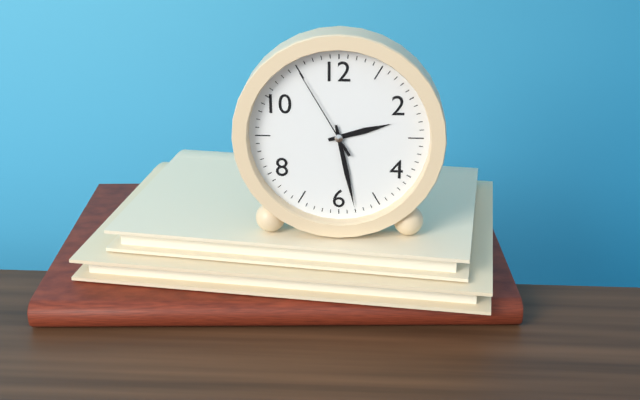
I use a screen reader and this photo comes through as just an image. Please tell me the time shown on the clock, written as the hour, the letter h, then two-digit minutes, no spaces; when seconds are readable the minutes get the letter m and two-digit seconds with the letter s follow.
2h28m55s
